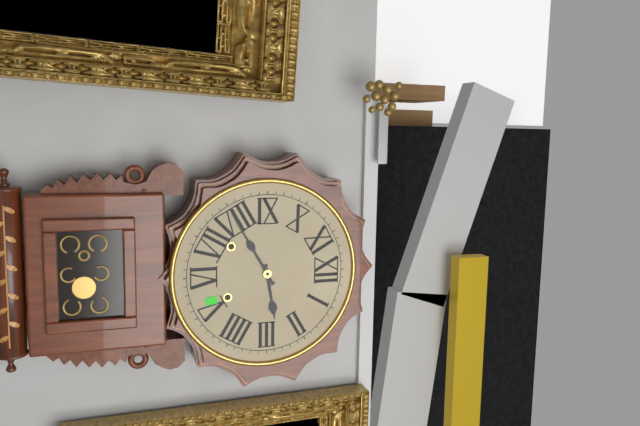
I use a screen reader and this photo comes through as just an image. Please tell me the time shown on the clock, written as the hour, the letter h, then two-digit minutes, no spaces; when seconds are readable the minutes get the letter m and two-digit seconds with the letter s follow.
2h40
